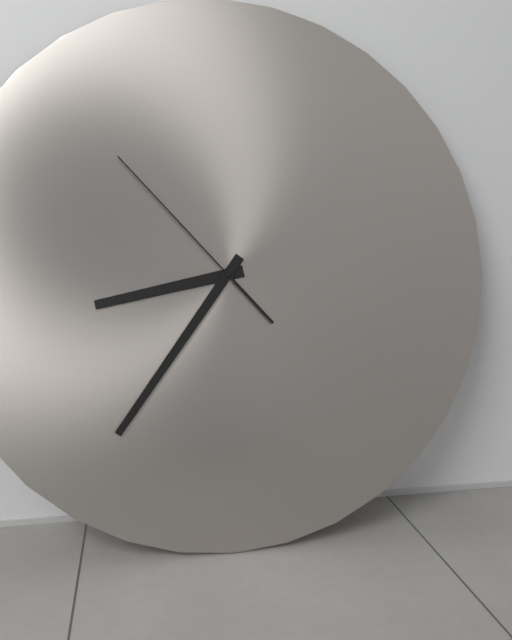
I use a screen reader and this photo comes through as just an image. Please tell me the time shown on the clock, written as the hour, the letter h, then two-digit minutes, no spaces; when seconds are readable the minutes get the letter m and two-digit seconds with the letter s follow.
8h36m53s
